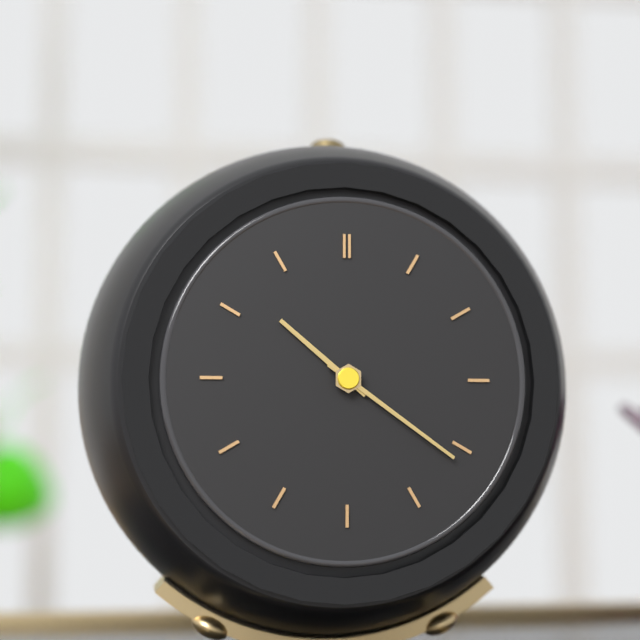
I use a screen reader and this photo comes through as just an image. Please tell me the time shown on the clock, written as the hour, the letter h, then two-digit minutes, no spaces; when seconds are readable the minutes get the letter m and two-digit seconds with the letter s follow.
10h21
